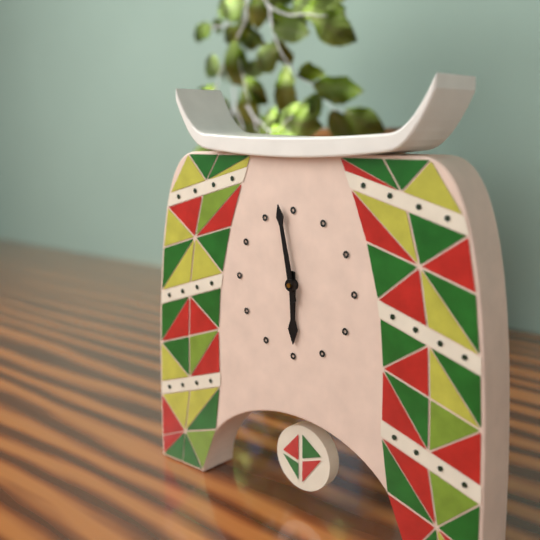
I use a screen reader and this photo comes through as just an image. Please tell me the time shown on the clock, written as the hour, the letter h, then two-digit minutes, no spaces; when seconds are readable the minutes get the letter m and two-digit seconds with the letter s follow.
5h58
